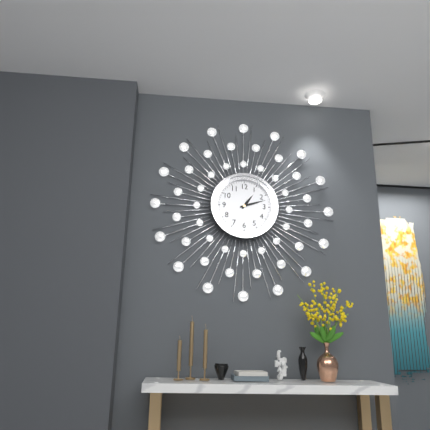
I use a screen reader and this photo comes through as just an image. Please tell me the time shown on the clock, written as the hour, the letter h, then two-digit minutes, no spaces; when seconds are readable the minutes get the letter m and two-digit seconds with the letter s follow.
1h12
